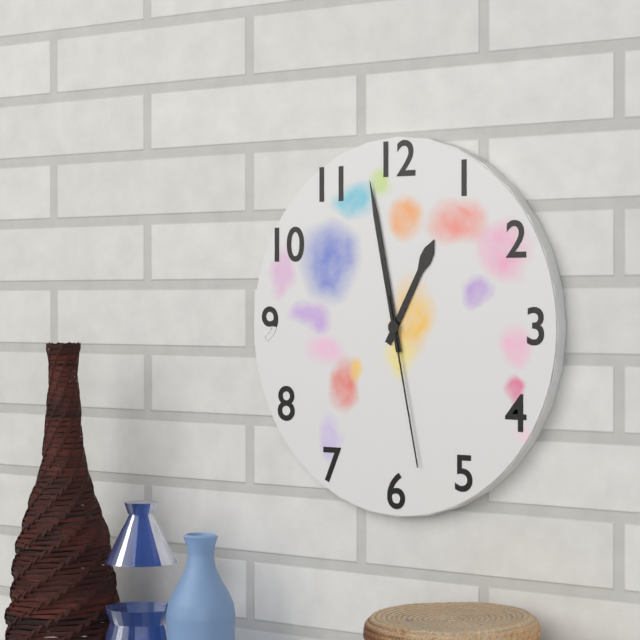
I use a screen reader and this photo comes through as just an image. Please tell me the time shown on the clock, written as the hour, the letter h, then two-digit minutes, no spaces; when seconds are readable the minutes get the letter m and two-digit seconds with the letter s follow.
12h58m28s
